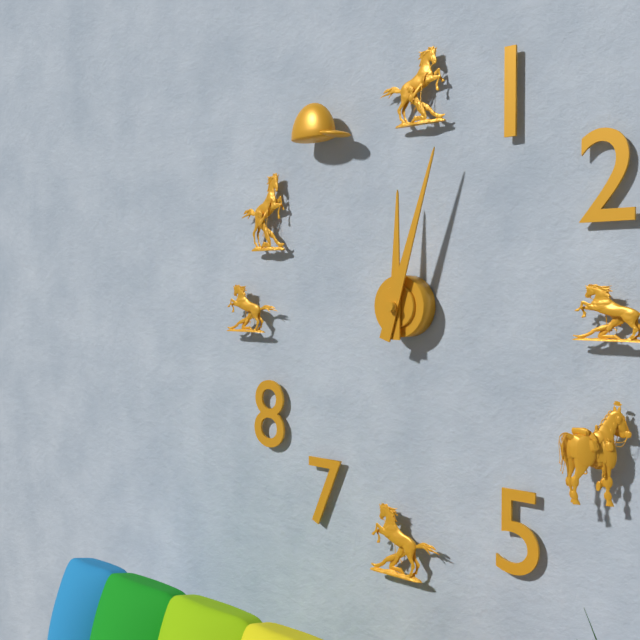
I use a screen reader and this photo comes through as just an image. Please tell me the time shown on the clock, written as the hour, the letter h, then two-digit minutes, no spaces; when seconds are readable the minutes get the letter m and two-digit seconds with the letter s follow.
12h03
